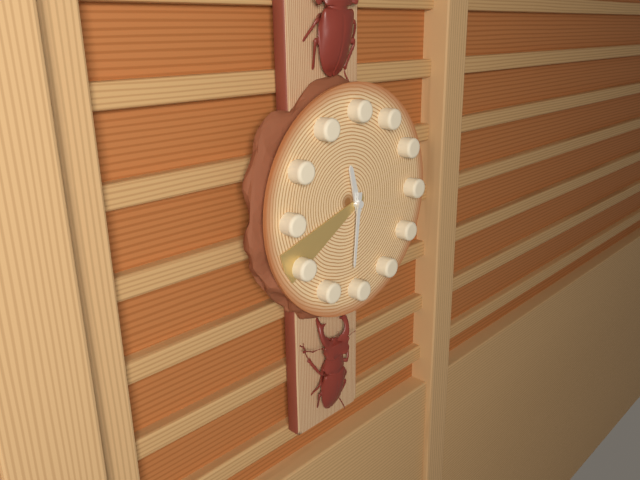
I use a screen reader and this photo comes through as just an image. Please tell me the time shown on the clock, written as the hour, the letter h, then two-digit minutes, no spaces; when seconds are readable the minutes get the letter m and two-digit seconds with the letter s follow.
11h31m41s
